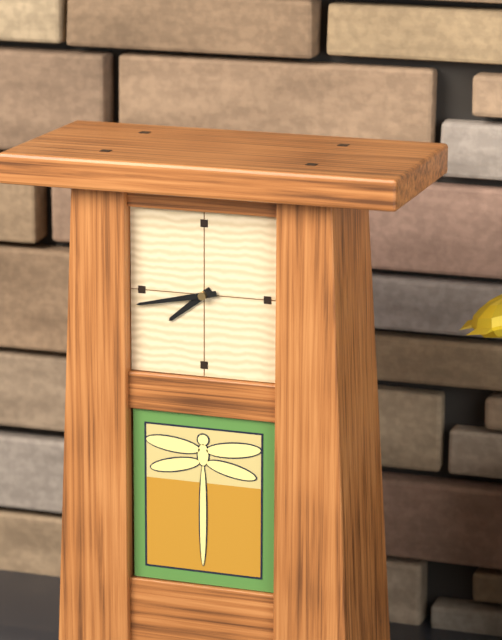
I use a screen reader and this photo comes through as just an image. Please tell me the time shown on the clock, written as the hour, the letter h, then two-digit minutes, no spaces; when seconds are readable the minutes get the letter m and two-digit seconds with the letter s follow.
7h43
